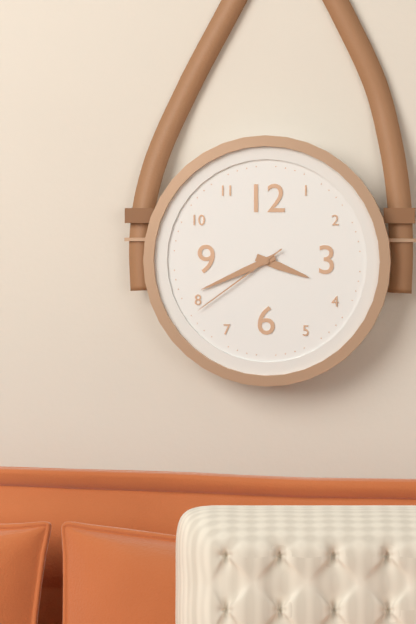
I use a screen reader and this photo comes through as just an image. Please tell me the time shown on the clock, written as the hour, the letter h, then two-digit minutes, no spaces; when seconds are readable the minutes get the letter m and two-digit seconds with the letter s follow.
3h41m39s
